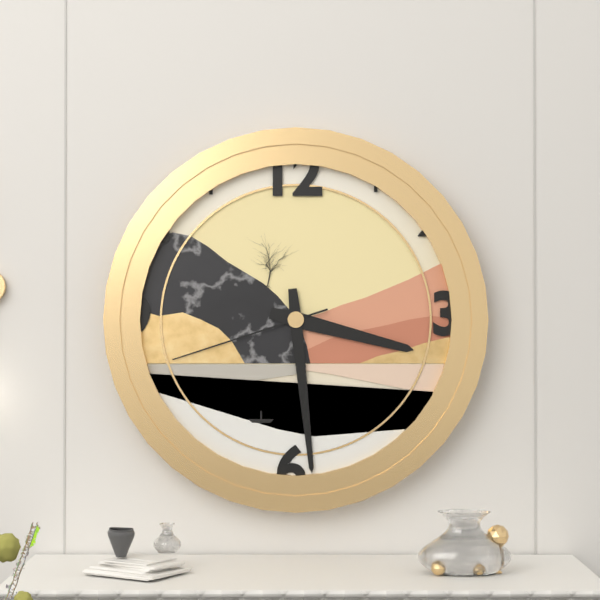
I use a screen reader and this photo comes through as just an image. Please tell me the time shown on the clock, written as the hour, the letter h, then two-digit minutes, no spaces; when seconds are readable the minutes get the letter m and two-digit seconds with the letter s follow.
3h29m42s
